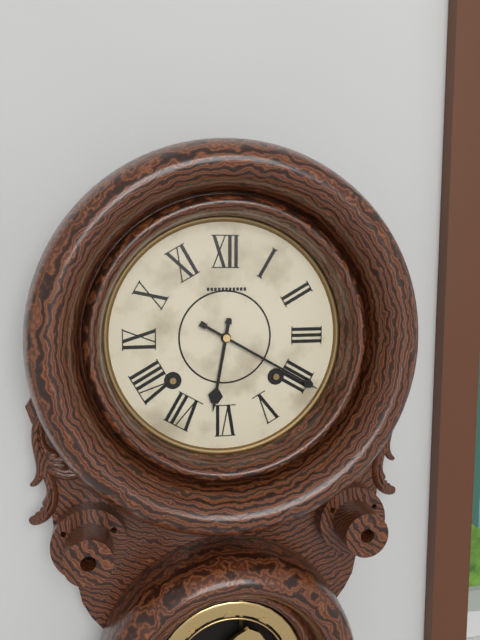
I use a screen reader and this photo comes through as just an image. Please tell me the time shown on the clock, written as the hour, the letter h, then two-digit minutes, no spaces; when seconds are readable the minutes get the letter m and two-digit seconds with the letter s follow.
6h20
